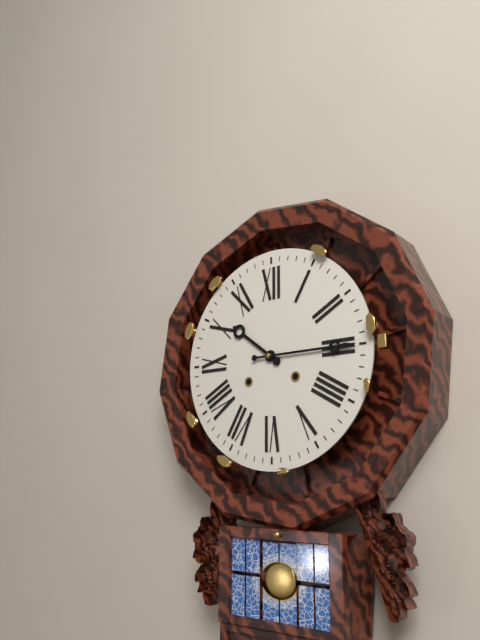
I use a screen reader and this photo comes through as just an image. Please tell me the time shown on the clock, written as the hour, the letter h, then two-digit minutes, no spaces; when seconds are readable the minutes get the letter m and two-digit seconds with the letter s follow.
10h15
